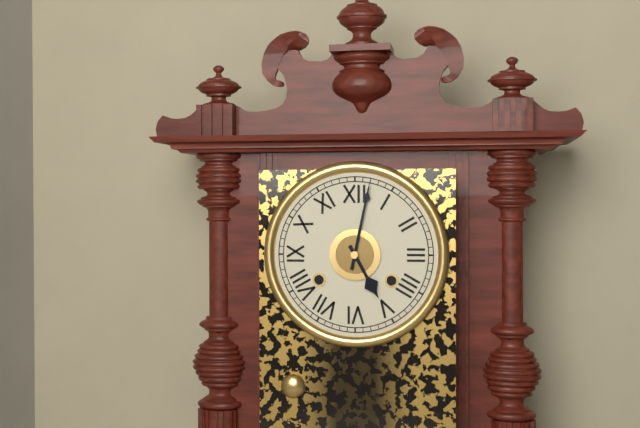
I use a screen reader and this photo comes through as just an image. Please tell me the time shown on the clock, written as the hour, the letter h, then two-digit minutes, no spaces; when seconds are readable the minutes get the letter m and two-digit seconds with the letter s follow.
5h02
